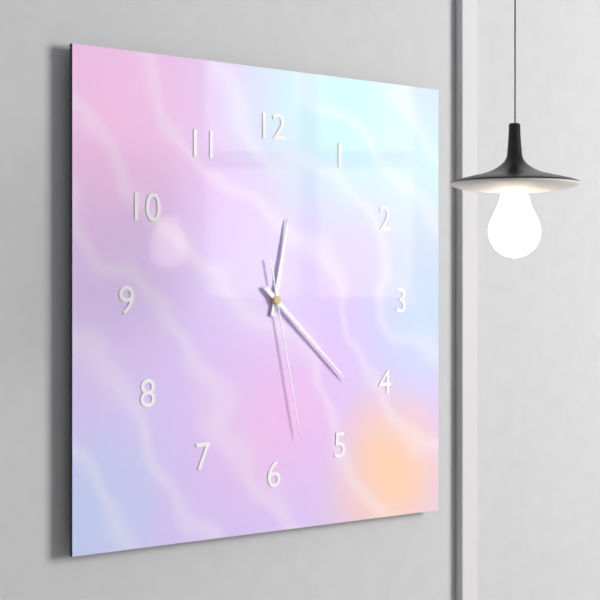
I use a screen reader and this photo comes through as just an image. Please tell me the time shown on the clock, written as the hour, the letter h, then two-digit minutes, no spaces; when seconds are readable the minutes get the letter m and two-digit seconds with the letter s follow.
12h22m28s
